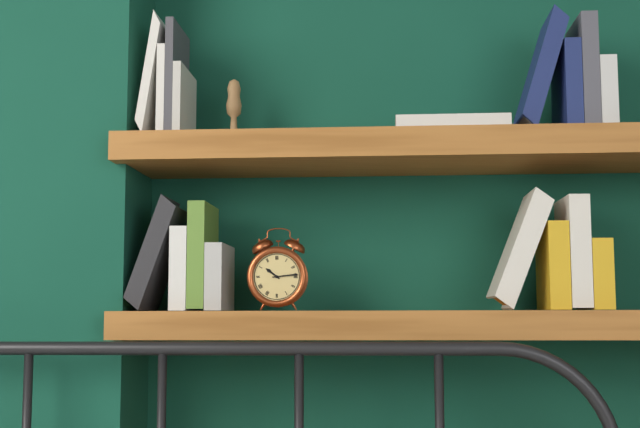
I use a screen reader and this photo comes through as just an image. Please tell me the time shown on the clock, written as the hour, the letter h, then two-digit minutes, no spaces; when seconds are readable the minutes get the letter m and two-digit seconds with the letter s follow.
10h14
